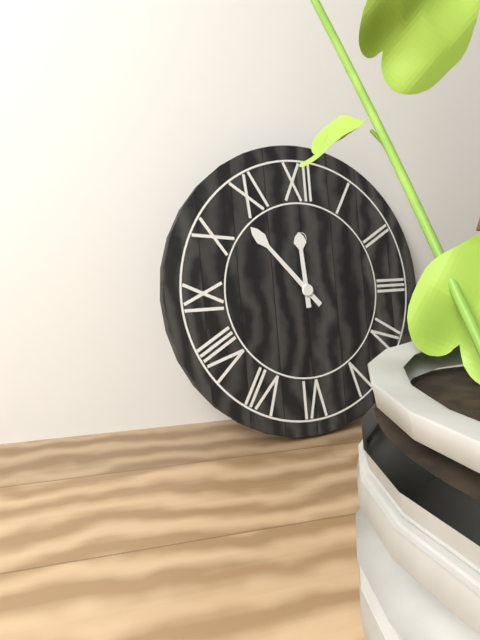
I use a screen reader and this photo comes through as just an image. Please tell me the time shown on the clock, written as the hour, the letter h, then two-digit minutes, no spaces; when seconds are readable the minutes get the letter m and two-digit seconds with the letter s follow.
11h53
